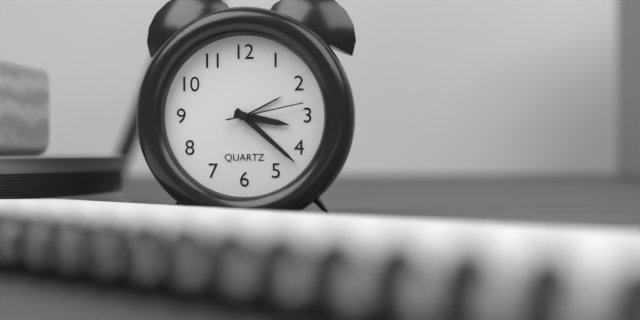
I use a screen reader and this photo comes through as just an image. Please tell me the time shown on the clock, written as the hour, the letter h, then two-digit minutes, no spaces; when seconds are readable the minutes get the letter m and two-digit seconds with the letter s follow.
3h22m13s
